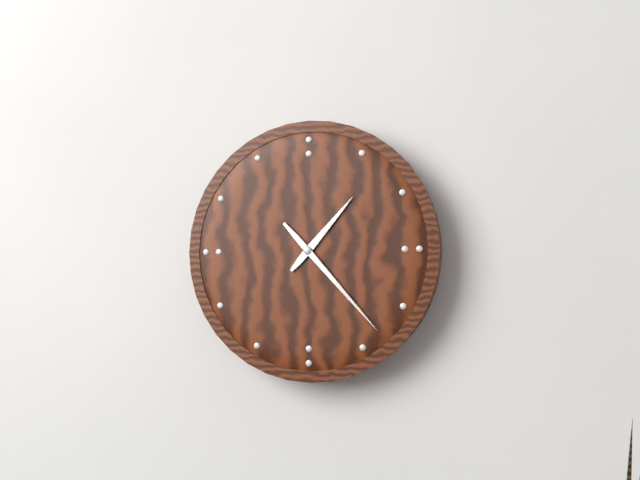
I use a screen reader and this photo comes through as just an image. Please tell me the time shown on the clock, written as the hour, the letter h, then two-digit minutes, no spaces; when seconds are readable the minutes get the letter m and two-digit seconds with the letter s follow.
1h23
